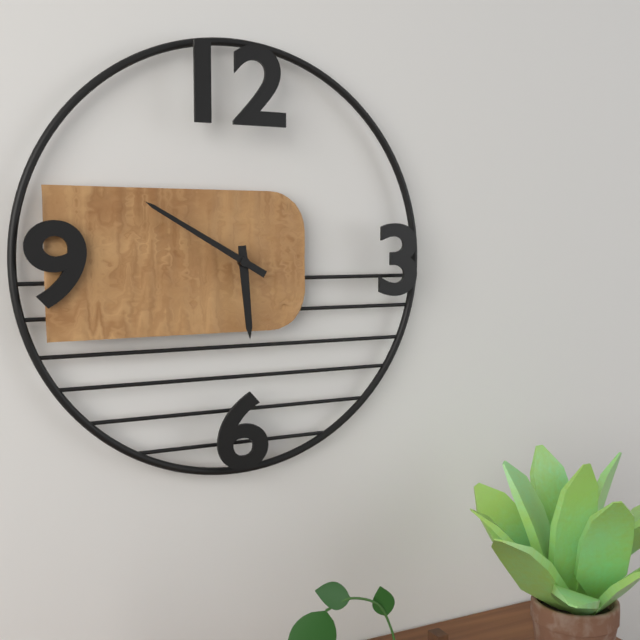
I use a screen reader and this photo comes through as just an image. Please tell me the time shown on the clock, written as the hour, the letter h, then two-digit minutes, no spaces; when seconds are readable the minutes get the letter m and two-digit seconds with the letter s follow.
5h50
